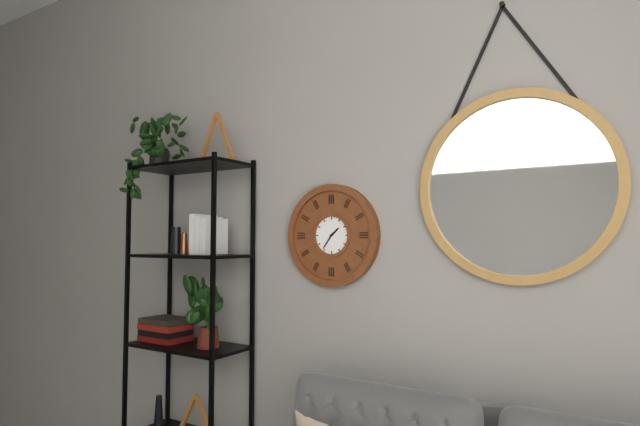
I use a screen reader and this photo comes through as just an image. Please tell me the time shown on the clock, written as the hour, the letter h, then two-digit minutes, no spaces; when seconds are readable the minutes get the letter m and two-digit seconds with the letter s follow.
1h36
